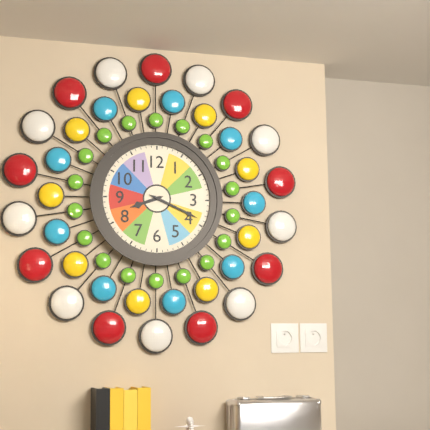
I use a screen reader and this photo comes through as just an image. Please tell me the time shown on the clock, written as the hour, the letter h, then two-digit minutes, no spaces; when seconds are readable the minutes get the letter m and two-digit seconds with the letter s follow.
8h19
